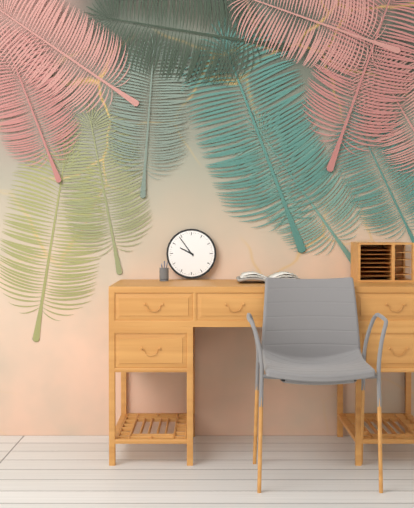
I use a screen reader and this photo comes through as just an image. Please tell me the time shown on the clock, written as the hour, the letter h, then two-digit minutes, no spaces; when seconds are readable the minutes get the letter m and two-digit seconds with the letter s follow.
9h54
